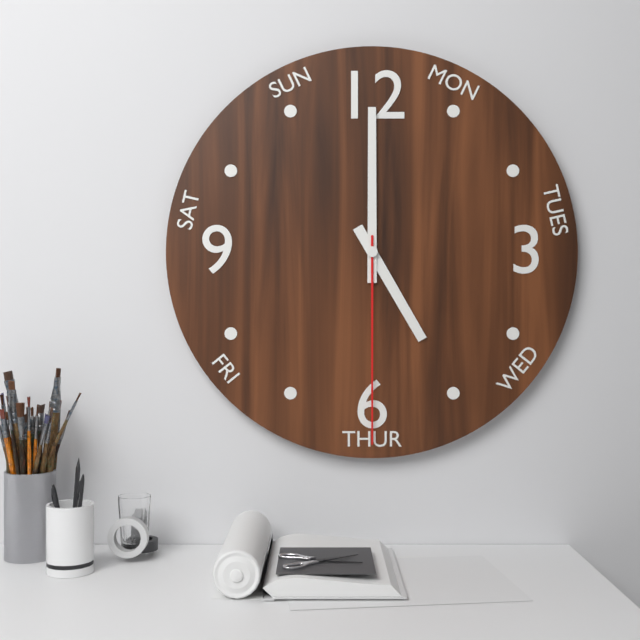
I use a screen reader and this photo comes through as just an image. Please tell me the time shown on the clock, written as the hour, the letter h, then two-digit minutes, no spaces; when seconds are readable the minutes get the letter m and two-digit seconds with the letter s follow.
5h00m30s
